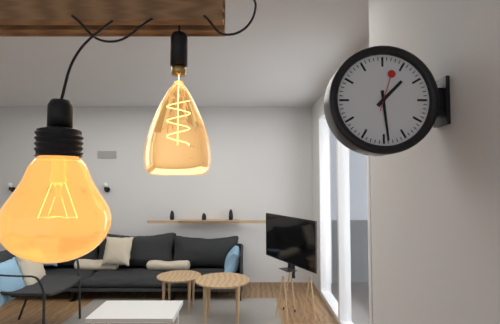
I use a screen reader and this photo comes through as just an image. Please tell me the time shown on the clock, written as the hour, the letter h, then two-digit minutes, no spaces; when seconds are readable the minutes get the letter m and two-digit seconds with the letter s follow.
1h29
